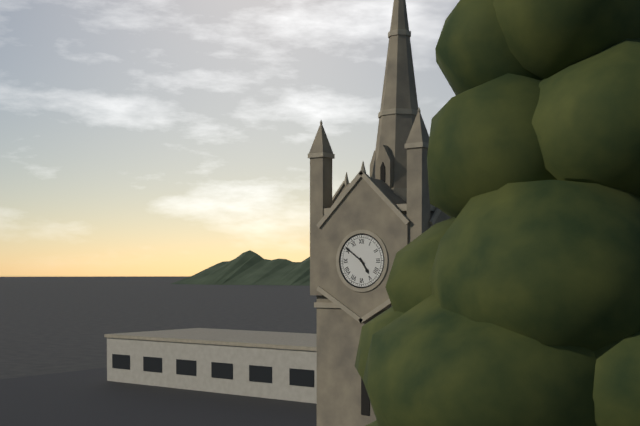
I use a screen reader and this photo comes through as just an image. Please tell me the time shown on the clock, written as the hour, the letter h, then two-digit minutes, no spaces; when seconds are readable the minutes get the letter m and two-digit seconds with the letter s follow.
4h51
